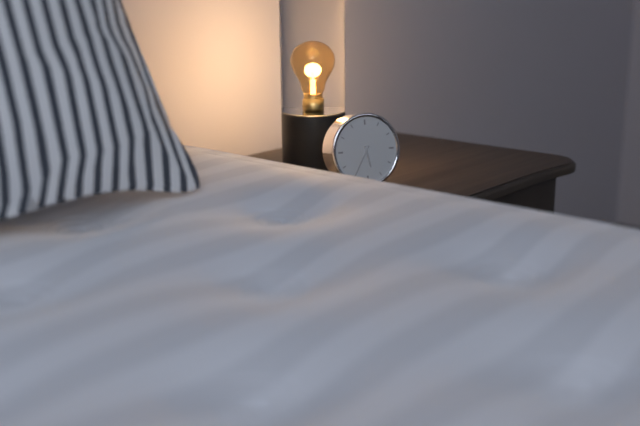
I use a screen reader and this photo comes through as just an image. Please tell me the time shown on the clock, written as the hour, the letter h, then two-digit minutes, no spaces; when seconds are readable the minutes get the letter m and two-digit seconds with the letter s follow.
5h35
